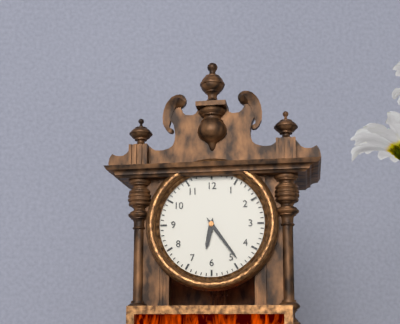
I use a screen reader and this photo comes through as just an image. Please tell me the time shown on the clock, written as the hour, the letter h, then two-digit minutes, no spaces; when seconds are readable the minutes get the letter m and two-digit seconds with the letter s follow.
6h24
